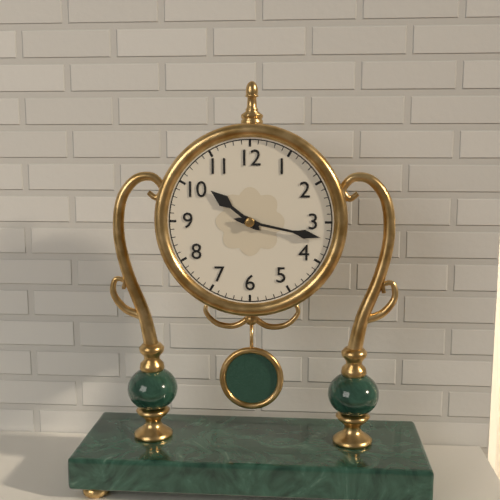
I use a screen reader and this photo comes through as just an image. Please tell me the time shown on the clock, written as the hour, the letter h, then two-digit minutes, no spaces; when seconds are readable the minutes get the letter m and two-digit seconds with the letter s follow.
10h17
